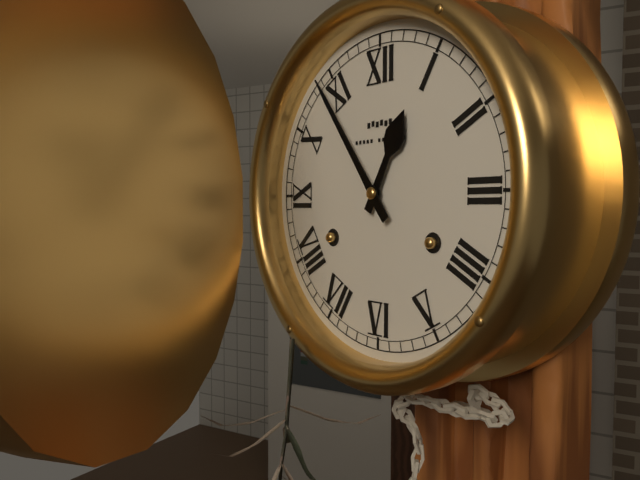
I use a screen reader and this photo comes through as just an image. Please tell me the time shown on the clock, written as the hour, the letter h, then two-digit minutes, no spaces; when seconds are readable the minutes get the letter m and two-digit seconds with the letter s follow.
12h54
